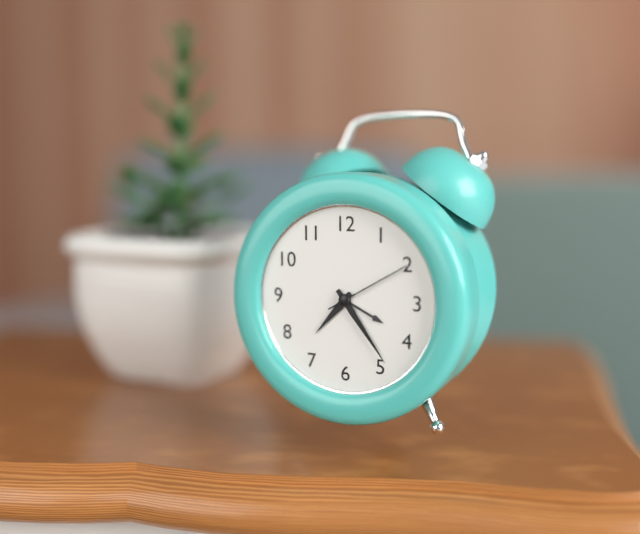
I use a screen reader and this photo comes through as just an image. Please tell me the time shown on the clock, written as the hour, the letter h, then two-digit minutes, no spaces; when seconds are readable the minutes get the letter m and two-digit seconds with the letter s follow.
7h24m10s
